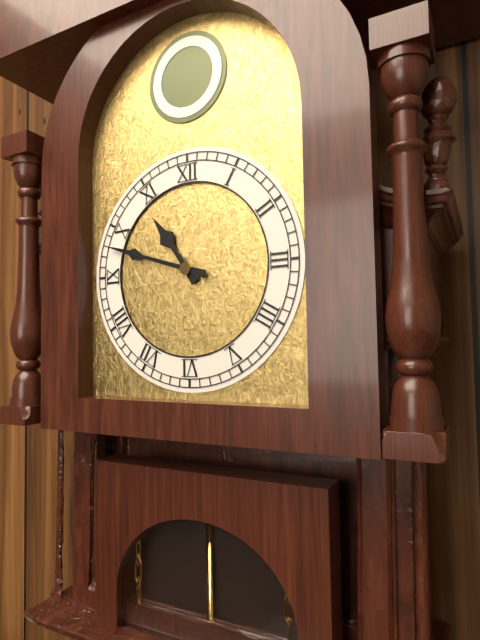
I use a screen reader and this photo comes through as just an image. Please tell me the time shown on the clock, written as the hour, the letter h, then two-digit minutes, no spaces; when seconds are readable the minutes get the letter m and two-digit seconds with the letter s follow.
10h48
